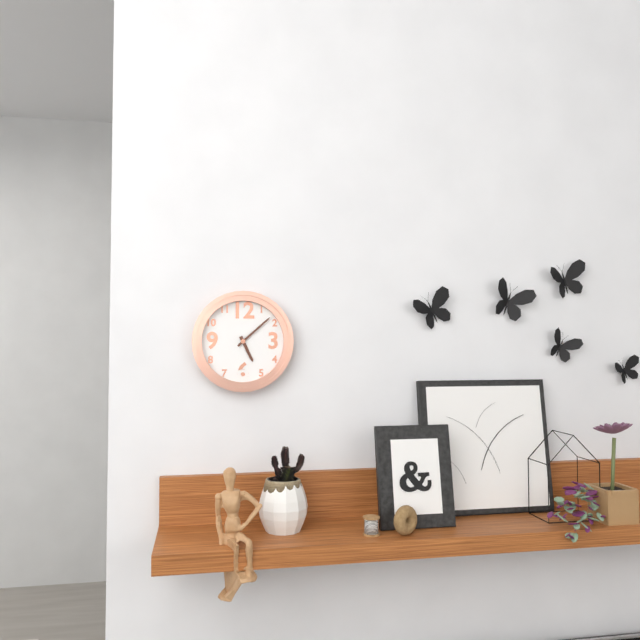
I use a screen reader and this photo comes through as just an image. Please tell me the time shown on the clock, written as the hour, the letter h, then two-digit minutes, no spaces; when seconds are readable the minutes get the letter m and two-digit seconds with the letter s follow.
5h08
